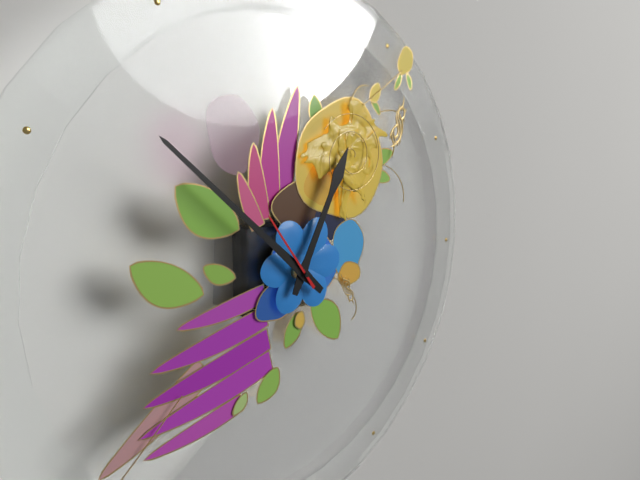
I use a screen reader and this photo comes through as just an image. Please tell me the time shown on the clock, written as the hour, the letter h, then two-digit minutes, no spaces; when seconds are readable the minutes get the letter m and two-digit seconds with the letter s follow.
12h52m54s
